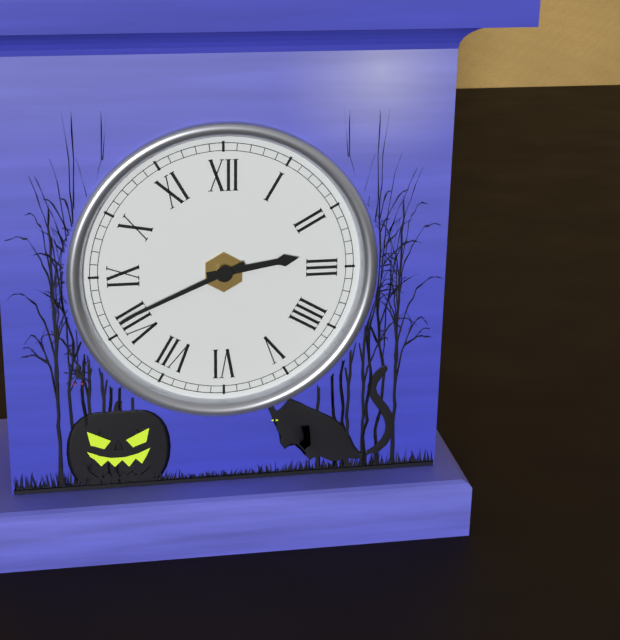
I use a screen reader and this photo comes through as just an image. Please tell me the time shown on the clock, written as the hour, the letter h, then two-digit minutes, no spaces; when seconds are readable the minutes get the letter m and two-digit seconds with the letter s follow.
2h41
